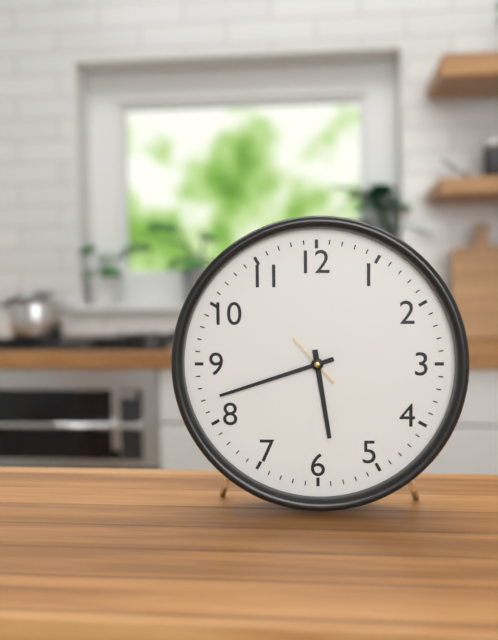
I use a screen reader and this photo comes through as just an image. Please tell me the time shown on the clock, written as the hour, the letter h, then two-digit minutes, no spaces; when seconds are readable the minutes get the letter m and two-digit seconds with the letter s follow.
5h42
